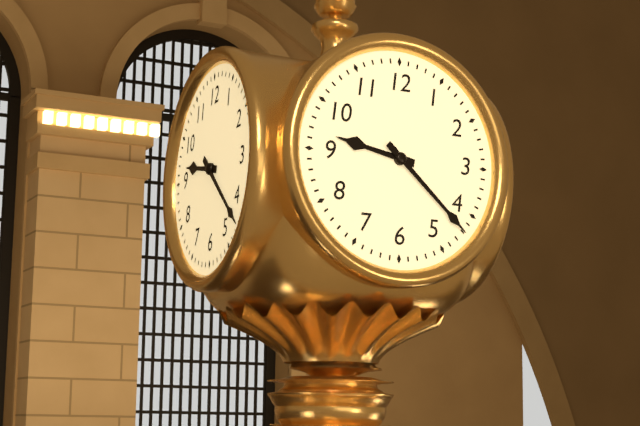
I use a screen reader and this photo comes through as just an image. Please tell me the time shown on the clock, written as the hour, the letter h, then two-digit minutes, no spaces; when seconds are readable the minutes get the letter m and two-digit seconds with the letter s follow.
9h22
